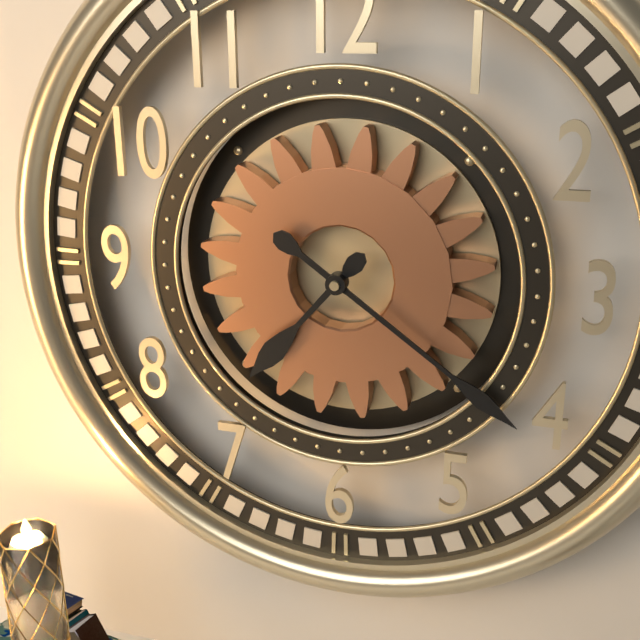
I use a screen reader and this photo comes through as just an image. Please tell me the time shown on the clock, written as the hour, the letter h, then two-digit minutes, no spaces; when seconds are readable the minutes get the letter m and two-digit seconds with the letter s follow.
7h21
